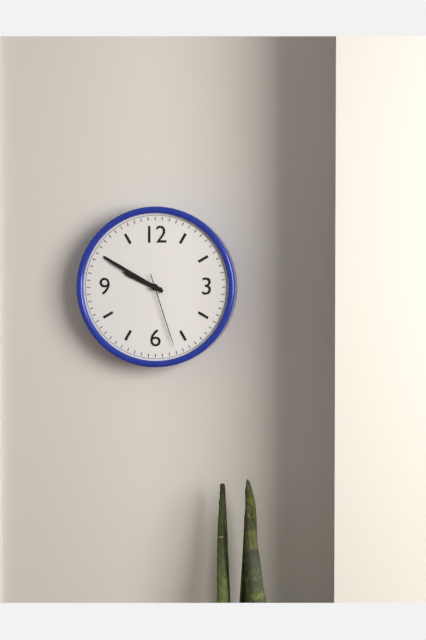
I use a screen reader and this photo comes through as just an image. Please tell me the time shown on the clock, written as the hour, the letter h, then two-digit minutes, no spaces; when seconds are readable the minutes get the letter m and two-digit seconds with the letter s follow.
9h50m27s
